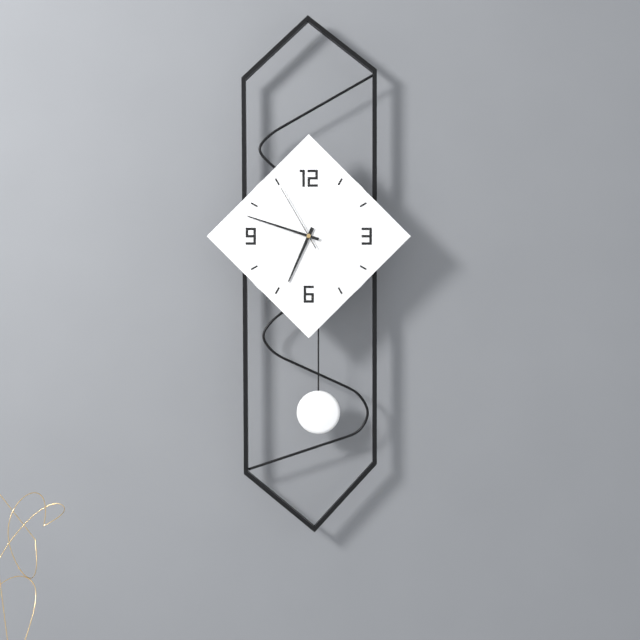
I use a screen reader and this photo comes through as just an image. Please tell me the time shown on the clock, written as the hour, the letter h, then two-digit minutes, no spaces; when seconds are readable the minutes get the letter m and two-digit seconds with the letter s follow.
6h48m55s
